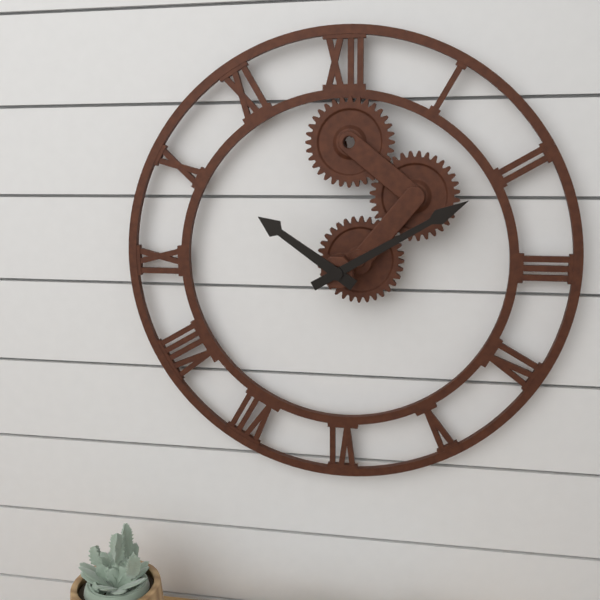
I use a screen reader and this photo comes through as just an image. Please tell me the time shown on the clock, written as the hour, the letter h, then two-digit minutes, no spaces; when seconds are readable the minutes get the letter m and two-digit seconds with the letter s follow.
10h10
